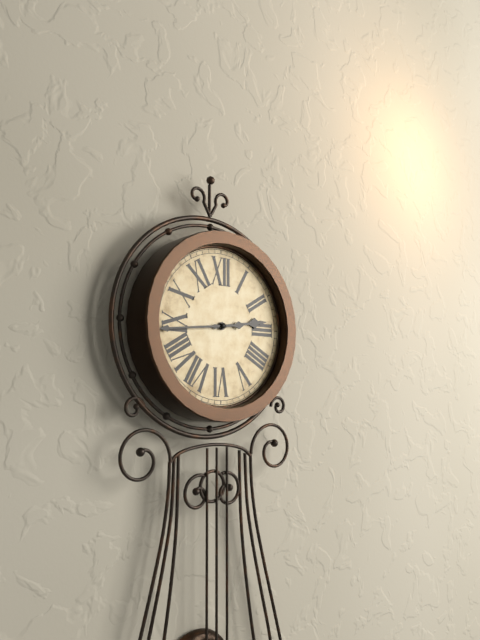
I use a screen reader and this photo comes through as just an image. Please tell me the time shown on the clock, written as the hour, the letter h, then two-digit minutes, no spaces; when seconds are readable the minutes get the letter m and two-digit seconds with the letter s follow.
2h44
